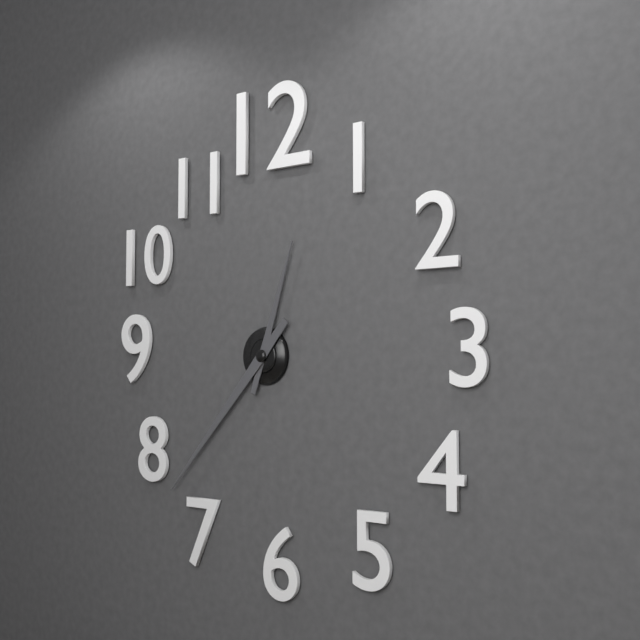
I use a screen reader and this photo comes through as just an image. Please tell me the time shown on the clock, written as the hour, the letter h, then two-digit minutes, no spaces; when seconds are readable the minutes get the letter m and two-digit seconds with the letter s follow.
12h37
